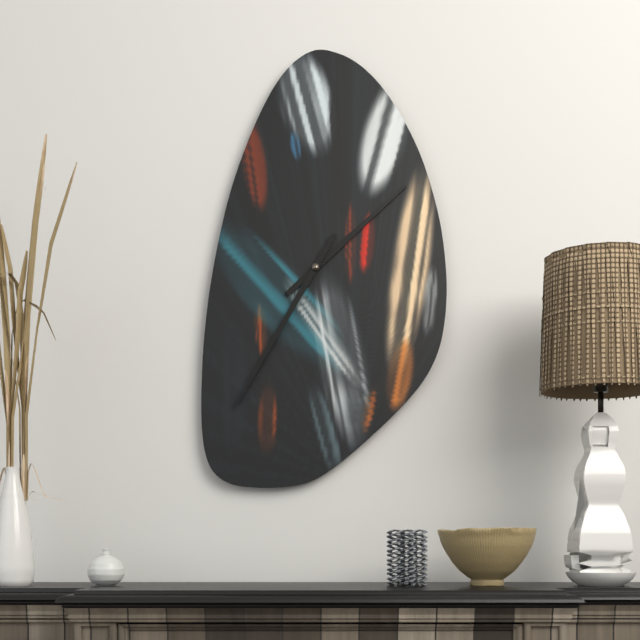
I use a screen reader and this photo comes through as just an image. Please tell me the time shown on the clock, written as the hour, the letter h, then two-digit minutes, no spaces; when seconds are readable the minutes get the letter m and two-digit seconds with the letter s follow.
1h35
